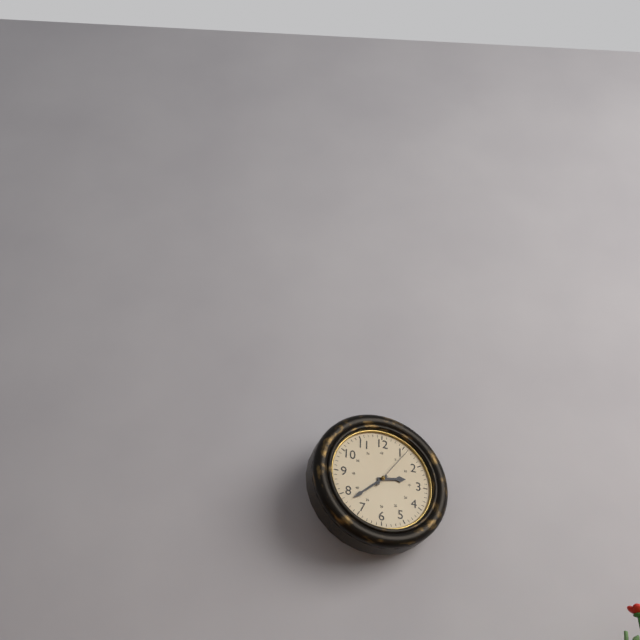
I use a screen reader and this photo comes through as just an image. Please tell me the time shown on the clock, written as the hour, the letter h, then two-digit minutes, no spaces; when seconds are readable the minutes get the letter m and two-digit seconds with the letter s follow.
2h38
